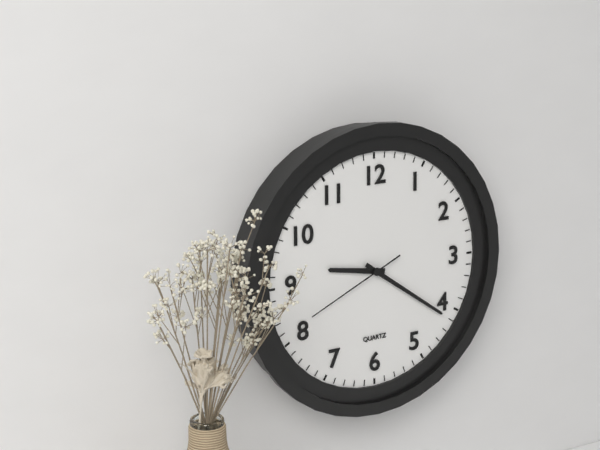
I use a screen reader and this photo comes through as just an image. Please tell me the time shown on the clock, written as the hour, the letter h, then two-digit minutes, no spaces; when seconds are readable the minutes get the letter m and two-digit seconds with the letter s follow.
9h21m41s
